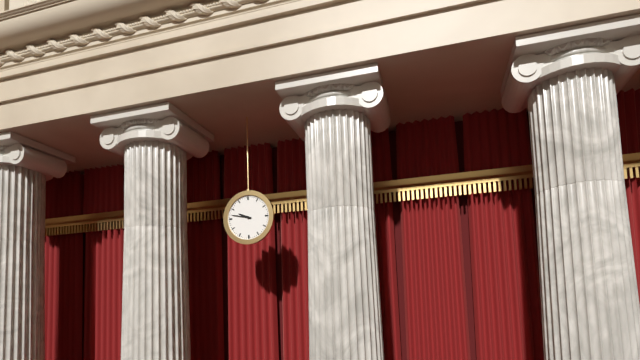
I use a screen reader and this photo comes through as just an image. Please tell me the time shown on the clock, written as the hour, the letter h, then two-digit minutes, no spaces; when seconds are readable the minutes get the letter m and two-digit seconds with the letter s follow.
9h47
